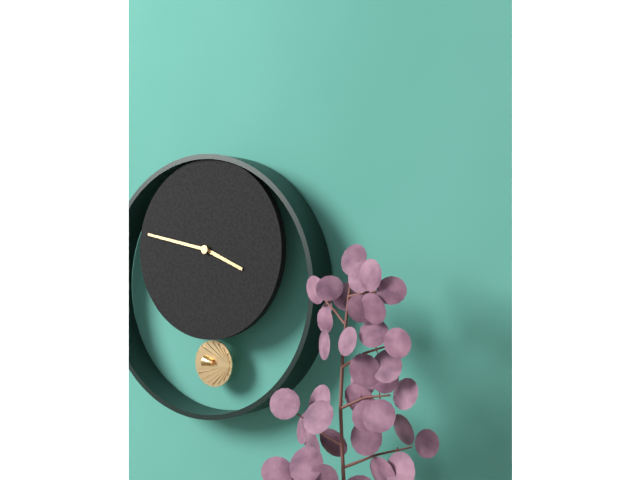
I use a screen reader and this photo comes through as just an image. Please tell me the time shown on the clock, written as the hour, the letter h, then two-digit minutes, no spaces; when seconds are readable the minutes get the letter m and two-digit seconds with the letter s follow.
3h47
